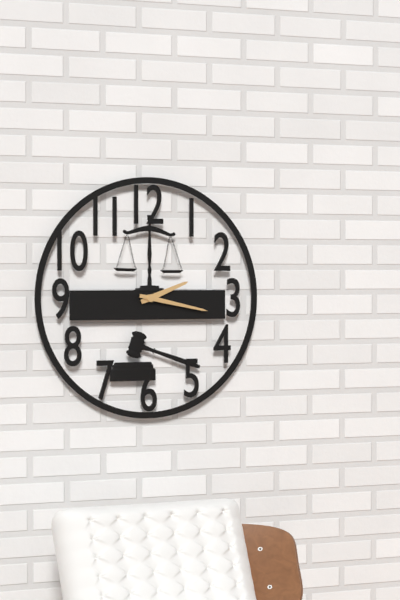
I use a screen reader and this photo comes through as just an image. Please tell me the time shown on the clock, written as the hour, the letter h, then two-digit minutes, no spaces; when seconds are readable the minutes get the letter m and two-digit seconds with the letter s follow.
2h17
